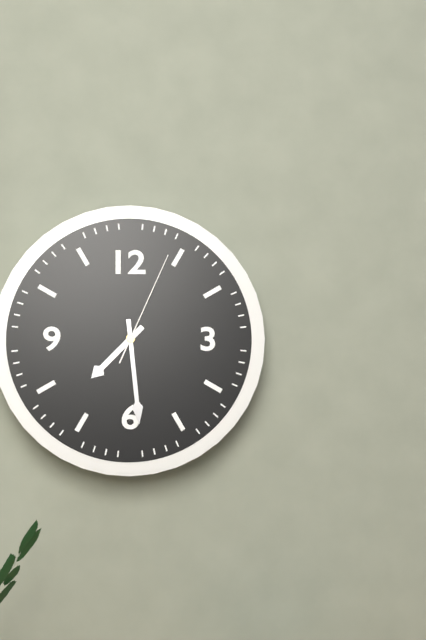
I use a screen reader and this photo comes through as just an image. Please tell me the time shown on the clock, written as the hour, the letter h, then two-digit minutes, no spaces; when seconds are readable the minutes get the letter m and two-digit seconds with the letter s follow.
7h29m04s
